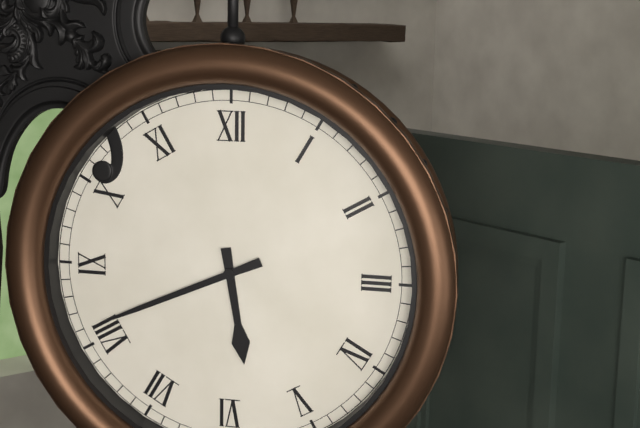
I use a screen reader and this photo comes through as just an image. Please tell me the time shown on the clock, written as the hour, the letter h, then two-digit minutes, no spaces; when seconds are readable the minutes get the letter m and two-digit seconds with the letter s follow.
5h41
